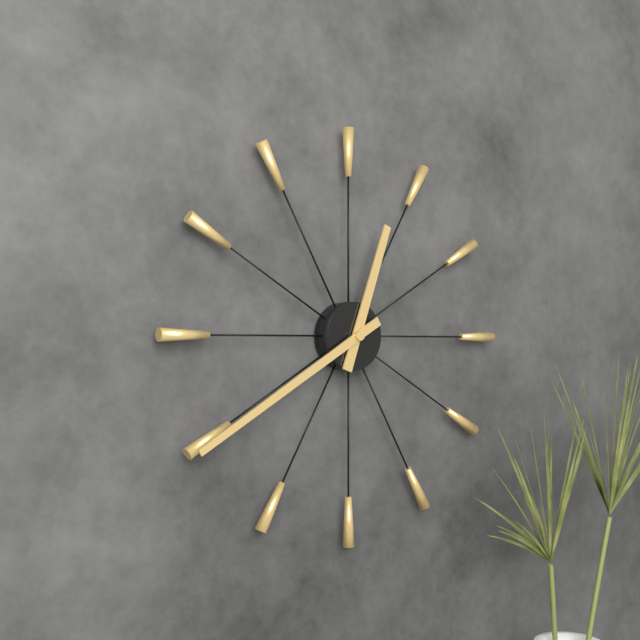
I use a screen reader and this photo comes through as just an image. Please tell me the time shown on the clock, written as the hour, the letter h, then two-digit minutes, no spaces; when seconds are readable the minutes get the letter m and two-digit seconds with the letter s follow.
12h40
